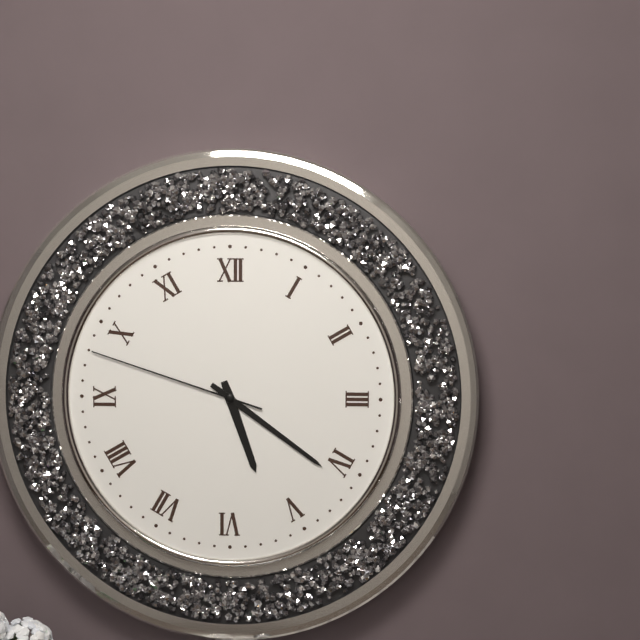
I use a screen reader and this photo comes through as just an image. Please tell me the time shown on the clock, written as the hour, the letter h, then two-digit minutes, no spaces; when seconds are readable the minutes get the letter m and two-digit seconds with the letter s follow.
5h21m48s
